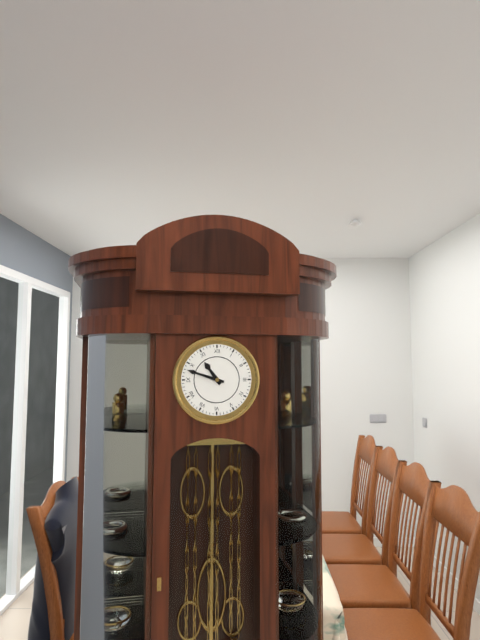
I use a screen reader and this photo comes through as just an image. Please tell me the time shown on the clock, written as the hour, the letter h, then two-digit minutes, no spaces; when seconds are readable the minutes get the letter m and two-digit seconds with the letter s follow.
10h48
